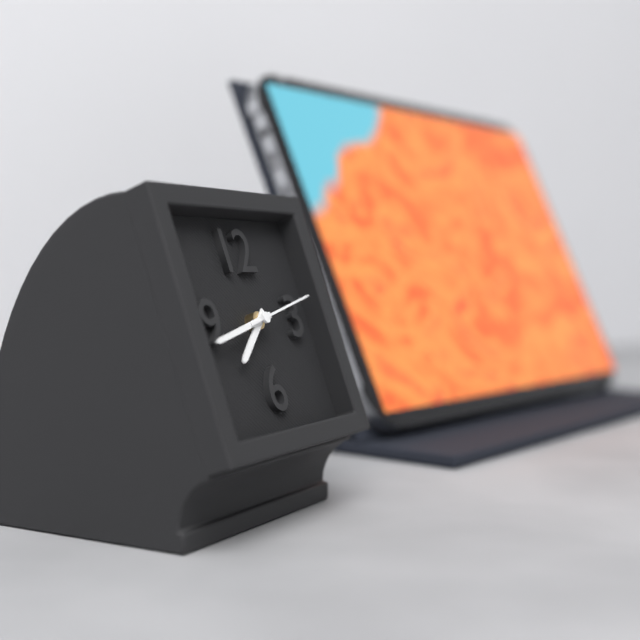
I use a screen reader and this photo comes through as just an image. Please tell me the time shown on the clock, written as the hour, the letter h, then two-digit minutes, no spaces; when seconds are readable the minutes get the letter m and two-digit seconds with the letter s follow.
7h43m13s
